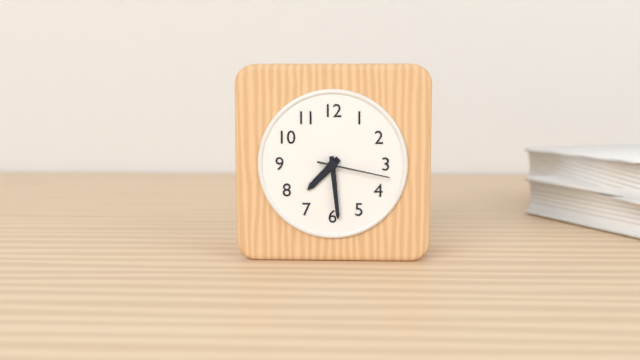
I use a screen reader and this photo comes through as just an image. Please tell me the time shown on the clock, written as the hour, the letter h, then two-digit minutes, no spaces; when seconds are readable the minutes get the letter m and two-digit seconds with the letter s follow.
7h29m17s
